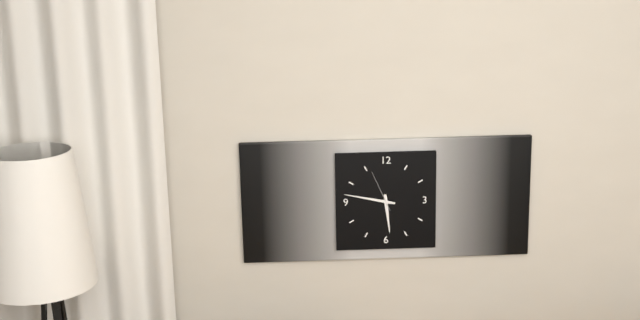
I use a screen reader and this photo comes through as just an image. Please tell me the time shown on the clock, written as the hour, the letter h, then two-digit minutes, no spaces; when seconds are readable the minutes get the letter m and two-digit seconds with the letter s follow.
5h47
